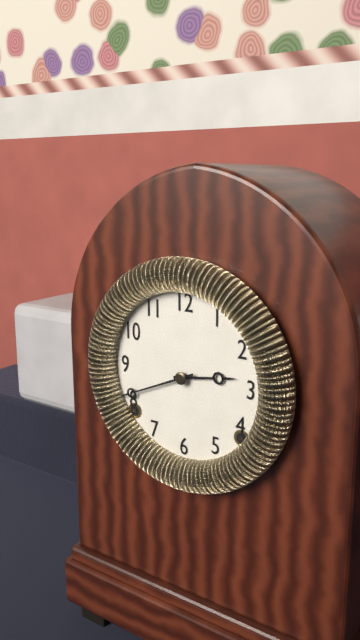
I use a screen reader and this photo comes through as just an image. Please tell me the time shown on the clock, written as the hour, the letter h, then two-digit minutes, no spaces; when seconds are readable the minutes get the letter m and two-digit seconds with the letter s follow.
2h41
